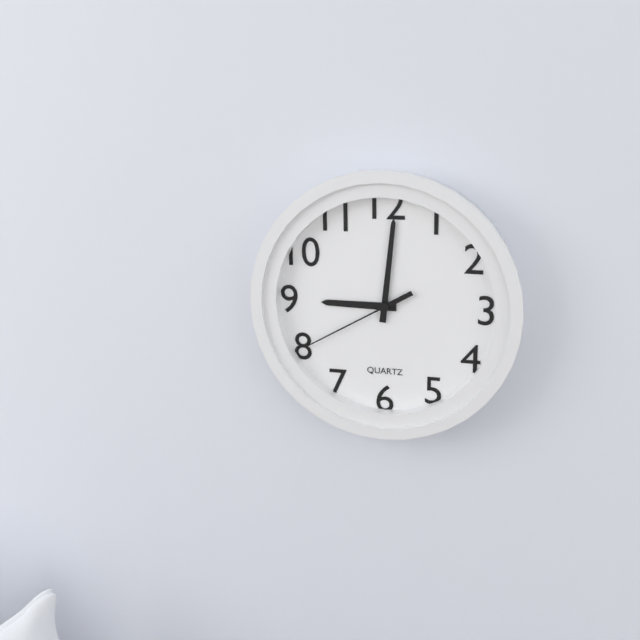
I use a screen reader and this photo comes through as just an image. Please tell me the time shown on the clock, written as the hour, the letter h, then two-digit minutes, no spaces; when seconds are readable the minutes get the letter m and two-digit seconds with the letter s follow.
9h01m40s
